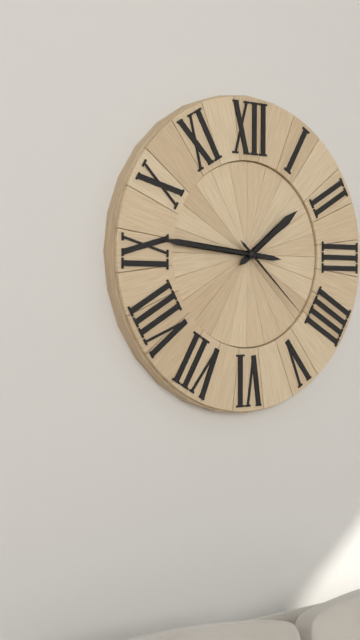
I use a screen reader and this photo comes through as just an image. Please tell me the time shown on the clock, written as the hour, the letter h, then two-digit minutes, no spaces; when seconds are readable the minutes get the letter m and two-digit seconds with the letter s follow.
1h46m22s
